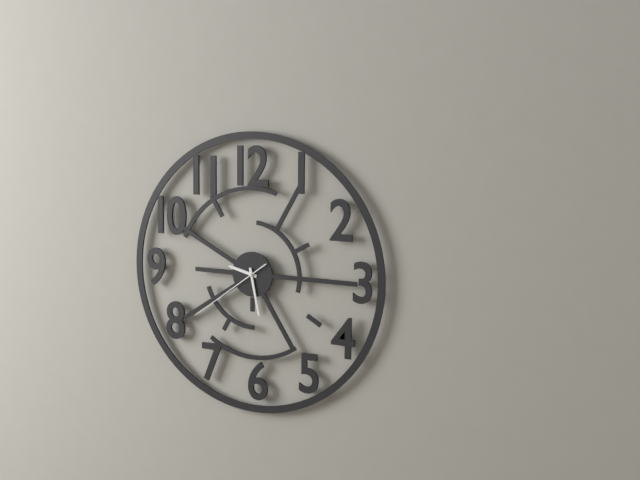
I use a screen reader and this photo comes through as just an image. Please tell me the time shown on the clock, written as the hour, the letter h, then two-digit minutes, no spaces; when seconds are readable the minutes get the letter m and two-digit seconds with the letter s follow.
9h28m39s
